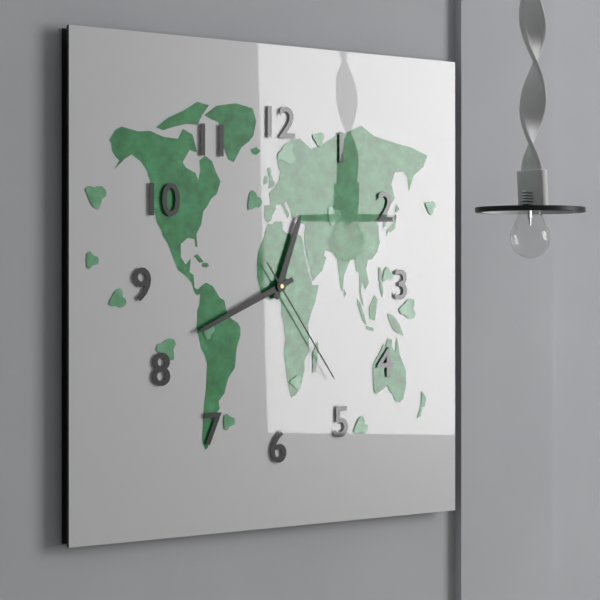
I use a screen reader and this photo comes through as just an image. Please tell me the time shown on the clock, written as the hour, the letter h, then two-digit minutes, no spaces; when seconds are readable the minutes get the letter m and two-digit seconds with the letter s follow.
12h41m24s
